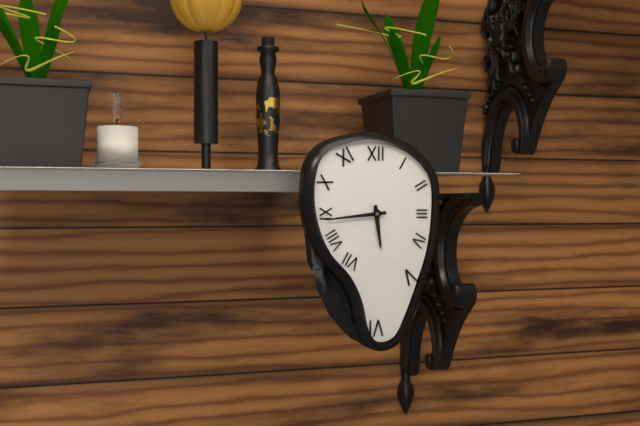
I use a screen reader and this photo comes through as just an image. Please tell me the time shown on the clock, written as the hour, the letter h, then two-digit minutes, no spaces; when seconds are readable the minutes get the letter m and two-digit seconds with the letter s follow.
5h44
